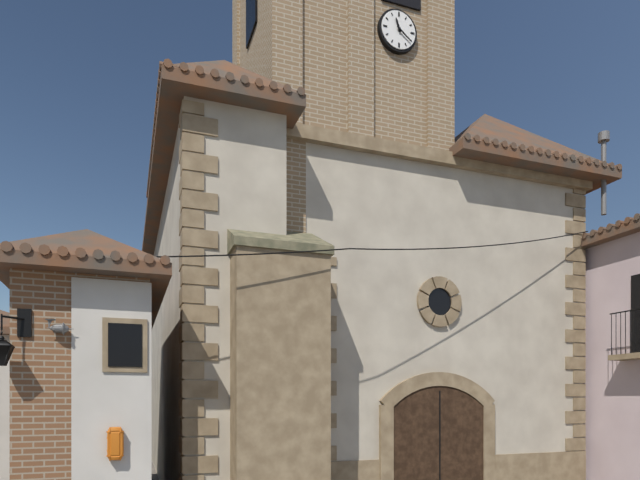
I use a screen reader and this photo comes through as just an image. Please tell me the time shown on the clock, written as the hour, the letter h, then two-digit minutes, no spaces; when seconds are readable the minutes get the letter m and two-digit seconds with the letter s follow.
11h21
